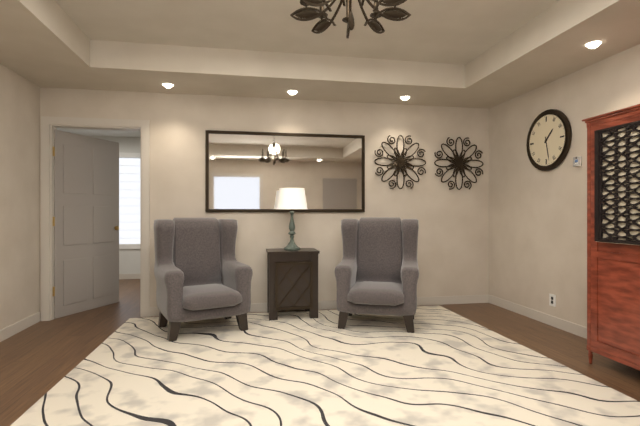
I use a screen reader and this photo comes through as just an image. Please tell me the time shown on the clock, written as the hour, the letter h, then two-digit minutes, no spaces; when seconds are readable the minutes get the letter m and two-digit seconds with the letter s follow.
1h28
